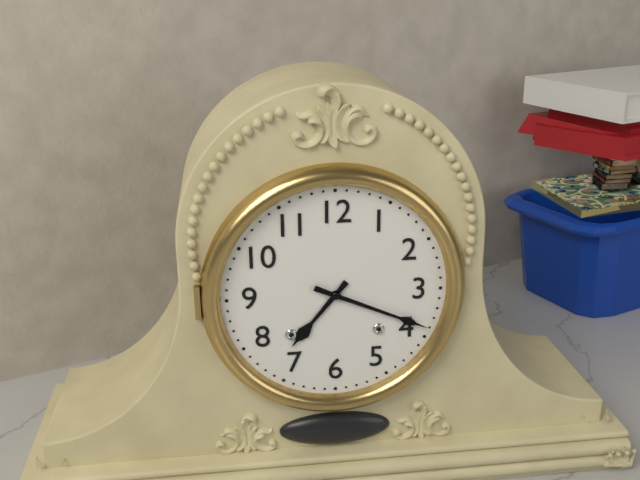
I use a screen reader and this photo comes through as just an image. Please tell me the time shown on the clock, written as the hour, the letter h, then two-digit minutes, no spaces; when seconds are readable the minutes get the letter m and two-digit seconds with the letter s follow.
7h19
